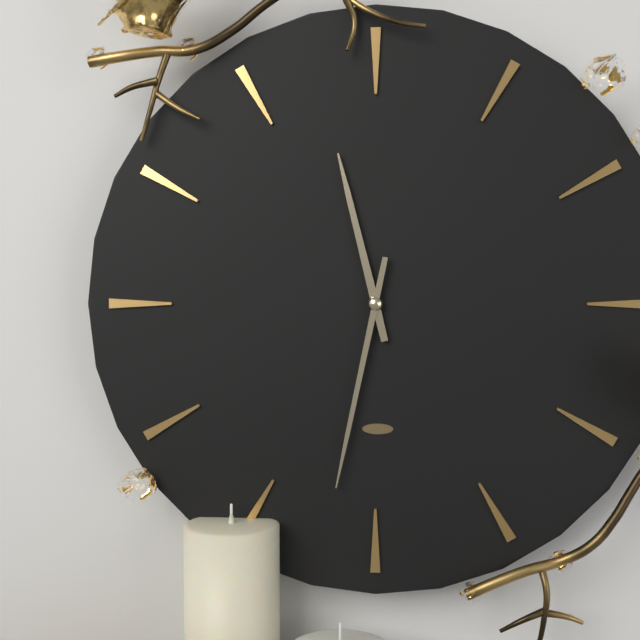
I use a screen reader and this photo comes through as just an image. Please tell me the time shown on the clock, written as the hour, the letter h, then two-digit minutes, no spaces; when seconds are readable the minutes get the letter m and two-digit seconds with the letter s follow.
11h32
